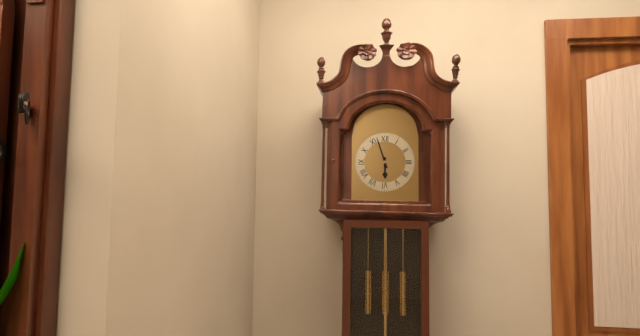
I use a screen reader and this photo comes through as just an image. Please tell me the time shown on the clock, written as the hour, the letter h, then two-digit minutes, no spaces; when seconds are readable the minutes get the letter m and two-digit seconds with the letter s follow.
5h57
